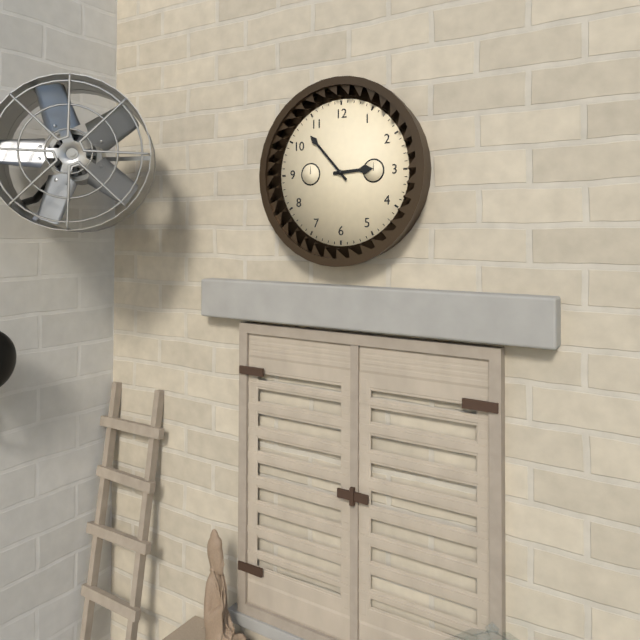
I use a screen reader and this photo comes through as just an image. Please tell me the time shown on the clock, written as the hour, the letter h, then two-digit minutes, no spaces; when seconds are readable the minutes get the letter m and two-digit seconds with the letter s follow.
2h53
